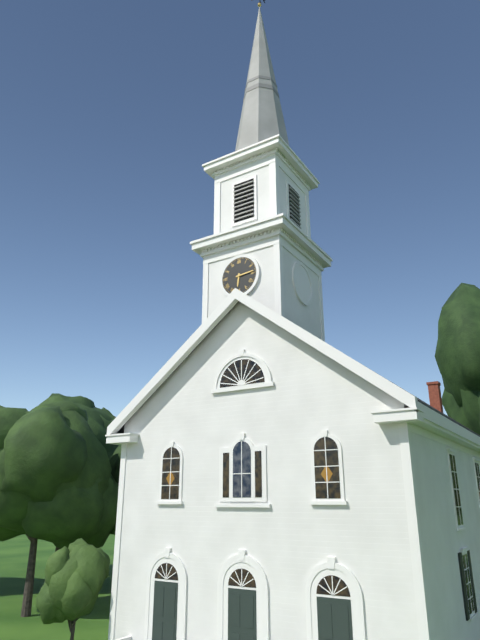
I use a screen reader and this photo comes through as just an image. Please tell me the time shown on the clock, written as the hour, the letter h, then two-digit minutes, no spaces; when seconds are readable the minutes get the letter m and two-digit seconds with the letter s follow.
6h14
